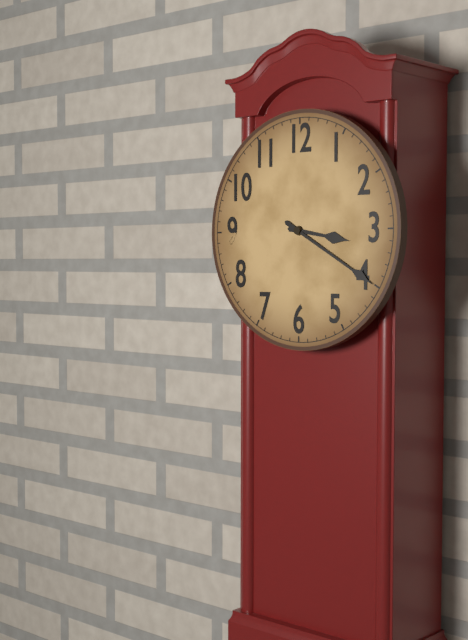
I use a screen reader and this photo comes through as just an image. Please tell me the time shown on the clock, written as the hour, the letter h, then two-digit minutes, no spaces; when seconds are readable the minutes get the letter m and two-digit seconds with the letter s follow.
3h20
